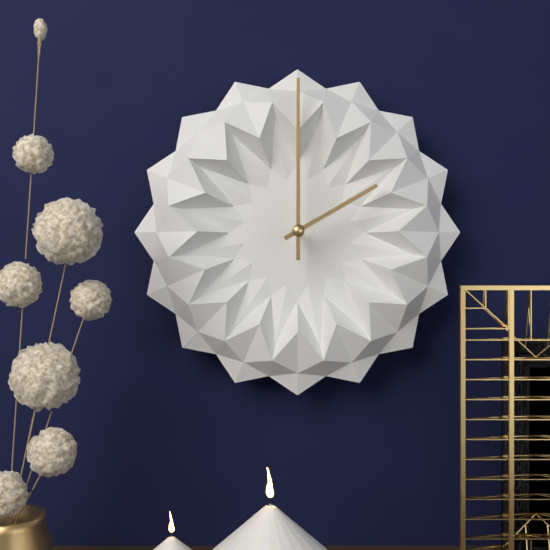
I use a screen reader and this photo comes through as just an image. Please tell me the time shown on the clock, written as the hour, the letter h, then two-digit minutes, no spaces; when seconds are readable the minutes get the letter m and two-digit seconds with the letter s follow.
2h00
